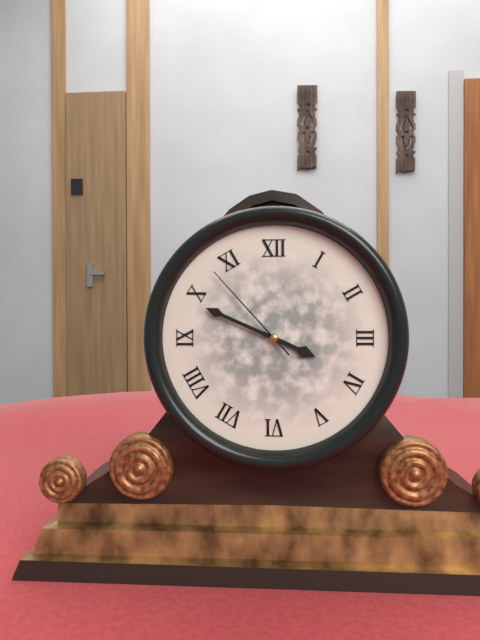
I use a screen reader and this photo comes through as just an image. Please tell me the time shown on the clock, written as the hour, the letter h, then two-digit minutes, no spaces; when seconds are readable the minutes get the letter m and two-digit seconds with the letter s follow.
3h49m53s
